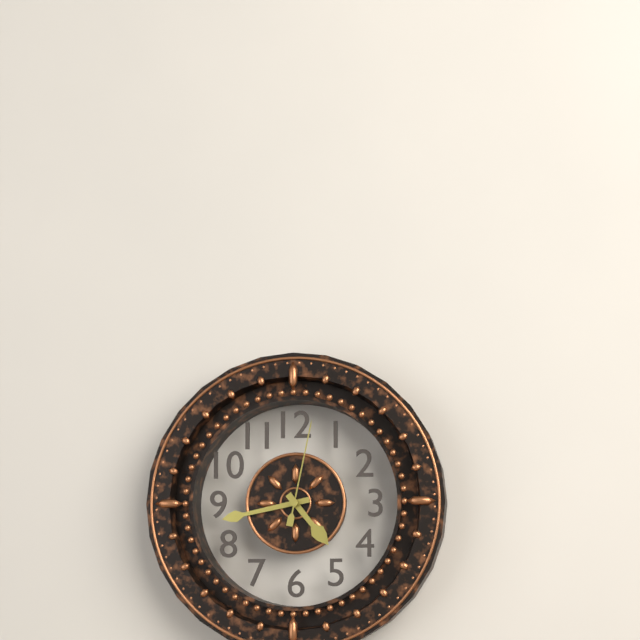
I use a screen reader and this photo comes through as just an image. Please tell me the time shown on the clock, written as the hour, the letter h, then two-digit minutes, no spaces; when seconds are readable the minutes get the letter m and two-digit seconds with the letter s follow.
4h43m02s
